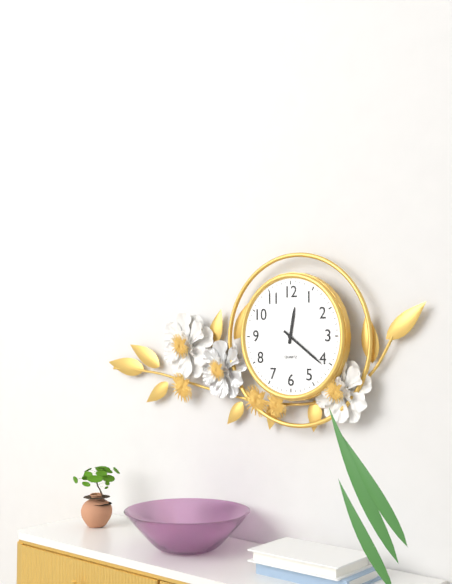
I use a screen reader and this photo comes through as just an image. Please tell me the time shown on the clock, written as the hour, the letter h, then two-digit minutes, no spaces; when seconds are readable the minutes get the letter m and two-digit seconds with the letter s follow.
12h21
